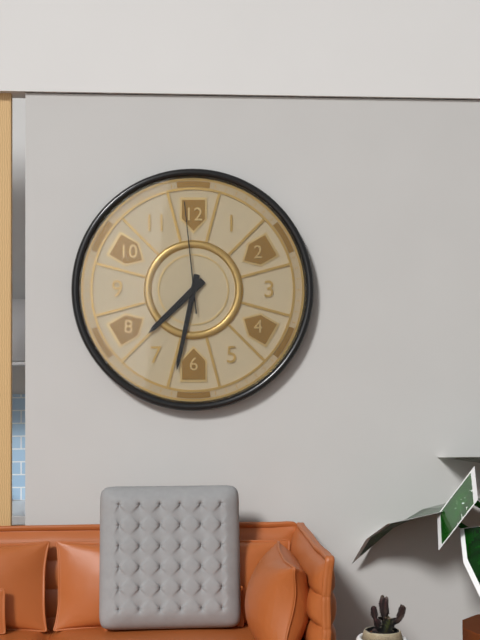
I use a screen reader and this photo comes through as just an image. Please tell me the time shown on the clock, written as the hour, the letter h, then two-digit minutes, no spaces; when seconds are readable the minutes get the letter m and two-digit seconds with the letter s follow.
7h32m59s
